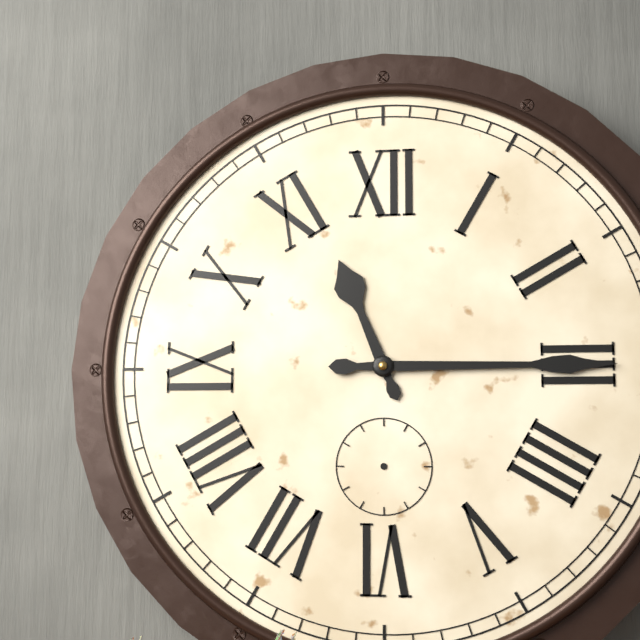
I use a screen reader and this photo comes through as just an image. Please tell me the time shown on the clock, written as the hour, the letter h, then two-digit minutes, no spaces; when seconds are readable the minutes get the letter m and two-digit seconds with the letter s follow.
11h15
